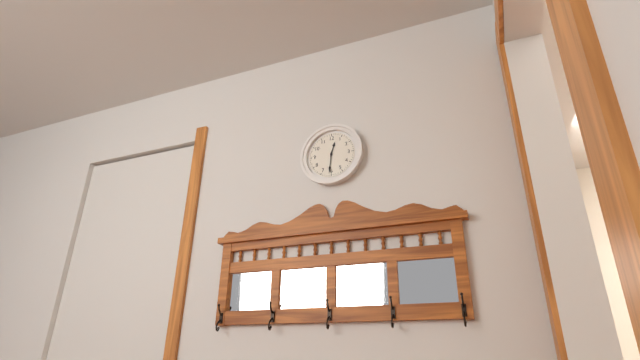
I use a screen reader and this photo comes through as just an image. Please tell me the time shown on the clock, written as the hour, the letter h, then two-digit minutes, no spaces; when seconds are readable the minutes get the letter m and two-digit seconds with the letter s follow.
12h31
